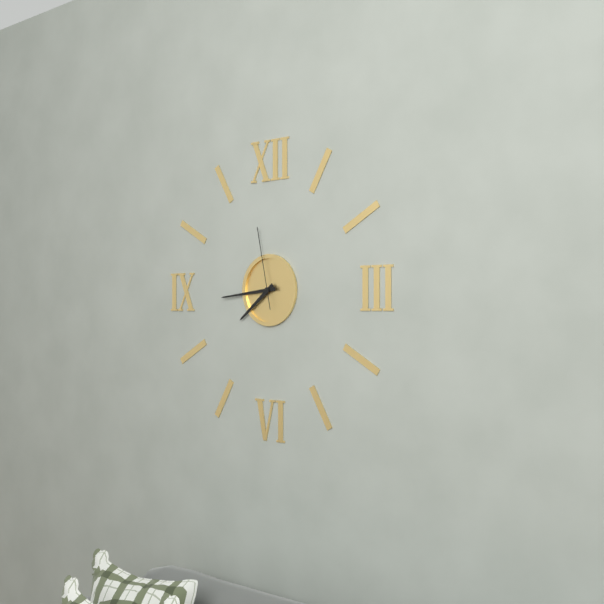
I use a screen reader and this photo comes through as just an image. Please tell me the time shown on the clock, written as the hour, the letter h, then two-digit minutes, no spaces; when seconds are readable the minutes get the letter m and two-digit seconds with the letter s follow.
7h44m58s
